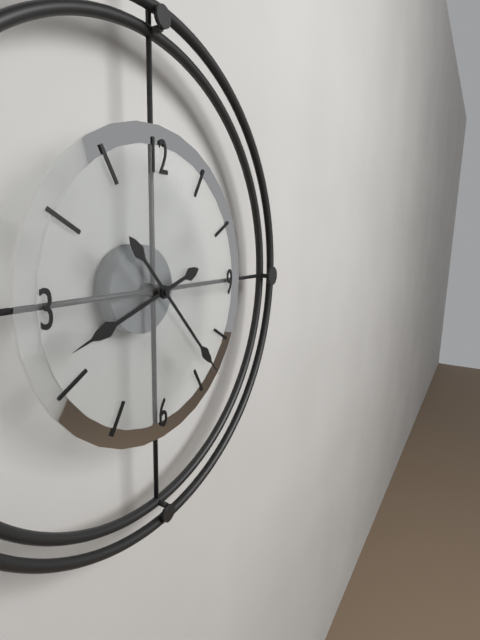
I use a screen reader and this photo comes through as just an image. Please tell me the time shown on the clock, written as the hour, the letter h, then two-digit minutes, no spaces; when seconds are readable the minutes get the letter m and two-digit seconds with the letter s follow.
8h23
